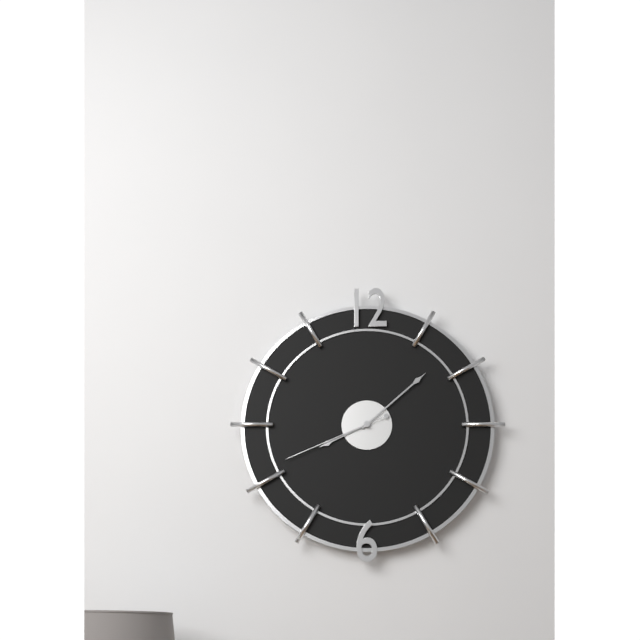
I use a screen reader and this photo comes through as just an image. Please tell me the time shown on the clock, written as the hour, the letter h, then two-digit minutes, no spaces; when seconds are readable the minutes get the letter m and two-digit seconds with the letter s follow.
8h08m41s
